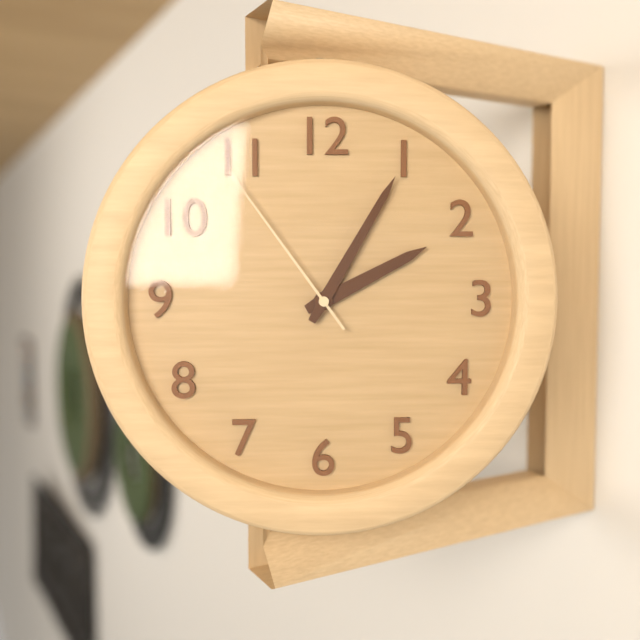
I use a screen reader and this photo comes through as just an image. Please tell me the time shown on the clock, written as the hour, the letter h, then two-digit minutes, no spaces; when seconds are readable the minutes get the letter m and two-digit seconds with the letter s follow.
2h05m54s
